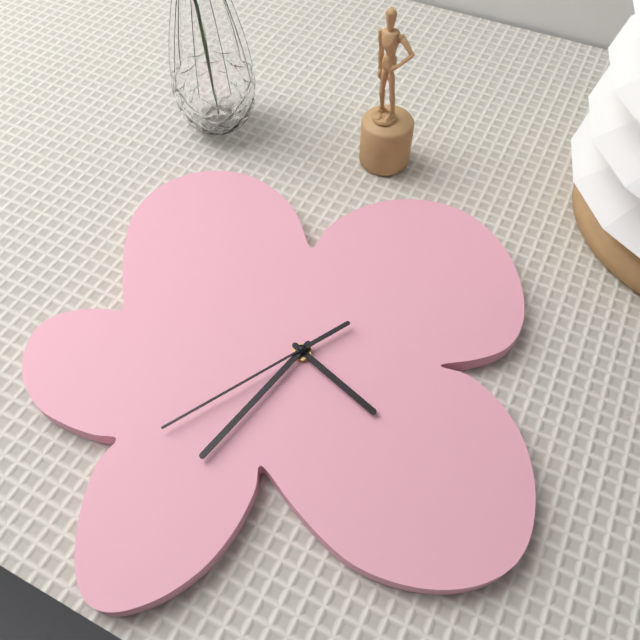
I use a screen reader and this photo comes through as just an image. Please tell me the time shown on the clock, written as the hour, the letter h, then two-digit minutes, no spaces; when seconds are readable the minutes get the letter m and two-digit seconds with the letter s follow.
4h37m40s
